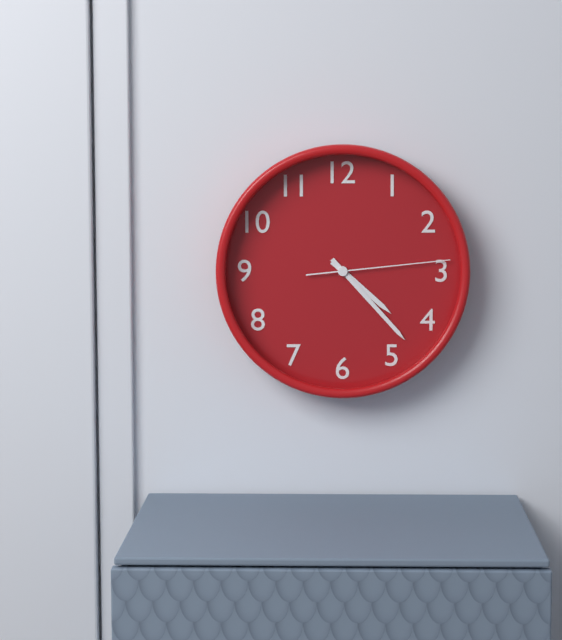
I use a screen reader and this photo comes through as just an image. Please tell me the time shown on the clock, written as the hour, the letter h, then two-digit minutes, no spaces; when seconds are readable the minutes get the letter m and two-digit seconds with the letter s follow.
4h23m14s
